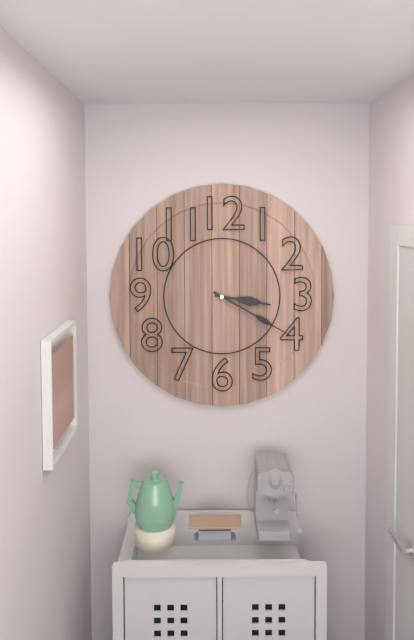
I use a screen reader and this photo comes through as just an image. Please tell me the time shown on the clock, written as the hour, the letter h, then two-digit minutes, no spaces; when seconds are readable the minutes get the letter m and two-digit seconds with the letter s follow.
3h20
